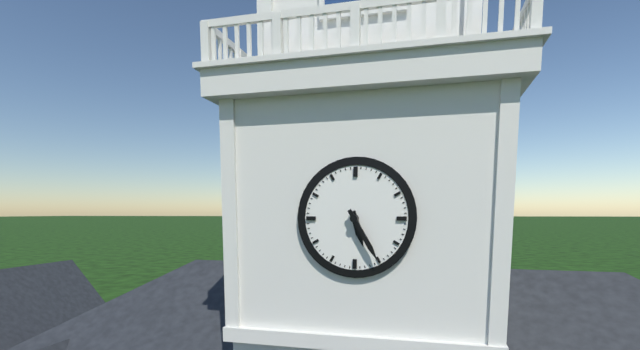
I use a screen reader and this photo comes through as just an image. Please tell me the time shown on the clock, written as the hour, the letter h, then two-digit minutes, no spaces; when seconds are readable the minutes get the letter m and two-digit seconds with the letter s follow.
5h25
